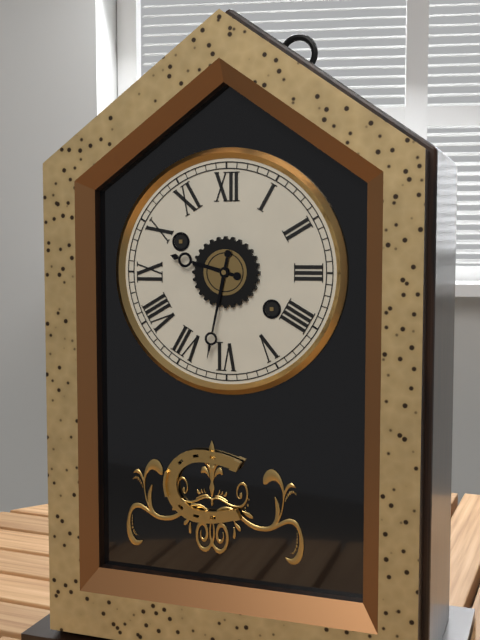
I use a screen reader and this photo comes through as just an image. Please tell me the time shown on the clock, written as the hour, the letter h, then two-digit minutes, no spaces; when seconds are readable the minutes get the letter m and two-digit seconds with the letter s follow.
9h32
